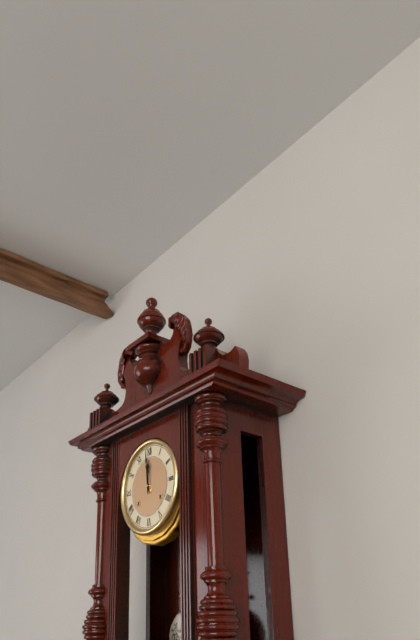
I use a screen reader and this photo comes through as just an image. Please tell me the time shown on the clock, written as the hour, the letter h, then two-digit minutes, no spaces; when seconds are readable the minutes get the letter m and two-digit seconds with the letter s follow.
11h59
